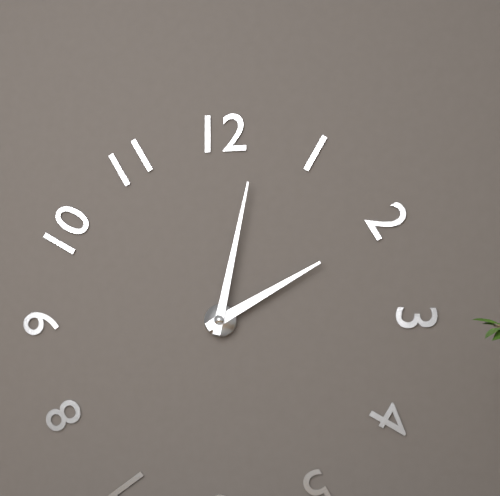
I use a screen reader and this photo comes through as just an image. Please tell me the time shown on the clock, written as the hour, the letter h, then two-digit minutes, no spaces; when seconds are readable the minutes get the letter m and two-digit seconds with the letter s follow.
2h02
